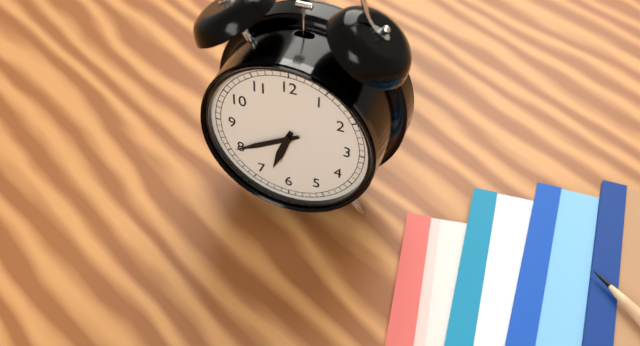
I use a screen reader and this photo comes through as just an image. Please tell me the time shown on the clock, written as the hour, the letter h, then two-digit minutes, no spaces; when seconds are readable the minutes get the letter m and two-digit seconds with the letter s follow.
6h40
